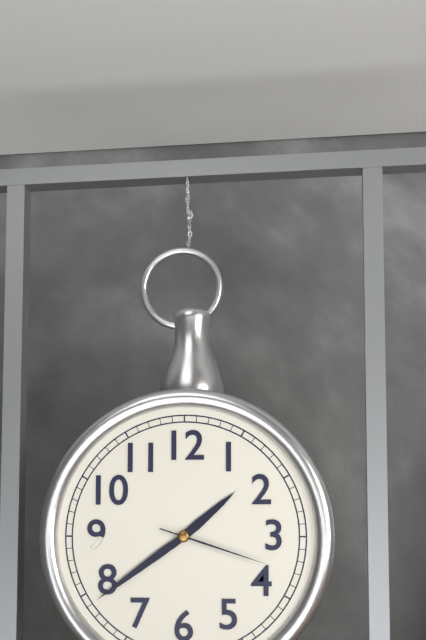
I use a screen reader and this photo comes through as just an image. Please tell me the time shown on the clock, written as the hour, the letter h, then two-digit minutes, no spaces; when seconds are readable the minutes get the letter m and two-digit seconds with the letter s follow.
1h39m18s
